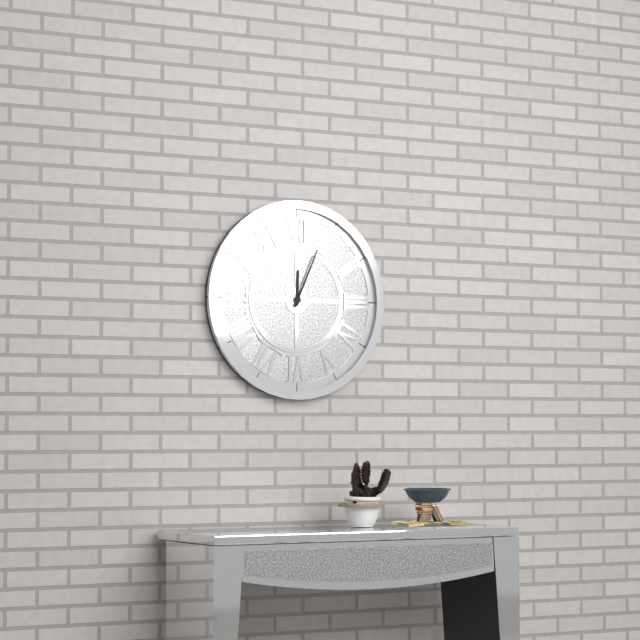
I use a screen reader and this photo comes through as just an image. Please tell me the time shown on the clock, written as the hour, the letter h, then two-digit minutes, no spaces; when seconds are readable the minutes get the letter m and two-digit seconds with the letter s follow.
12h04
